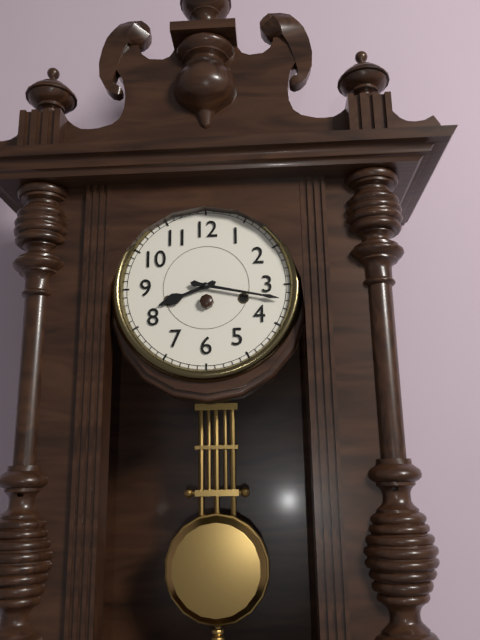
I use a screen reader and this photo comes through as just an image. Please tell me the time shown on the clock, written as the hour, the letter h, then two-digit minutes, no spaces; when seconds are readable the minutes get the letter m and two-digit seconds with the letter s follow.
8h17
